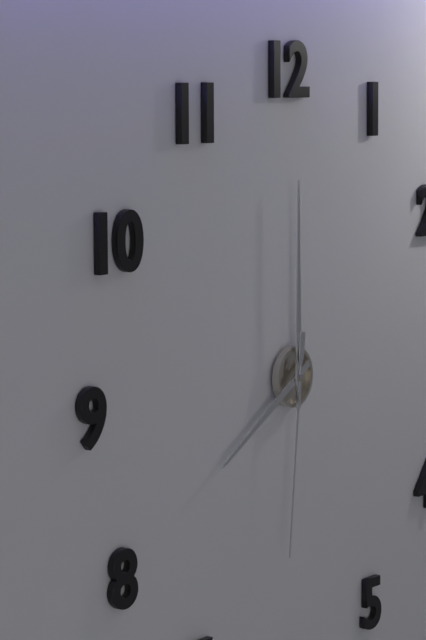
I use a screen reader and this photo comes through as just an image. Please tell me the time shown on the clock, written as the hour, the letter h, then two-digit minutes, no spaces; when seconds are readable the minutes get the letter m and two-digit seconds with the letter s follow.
8h00m31s
